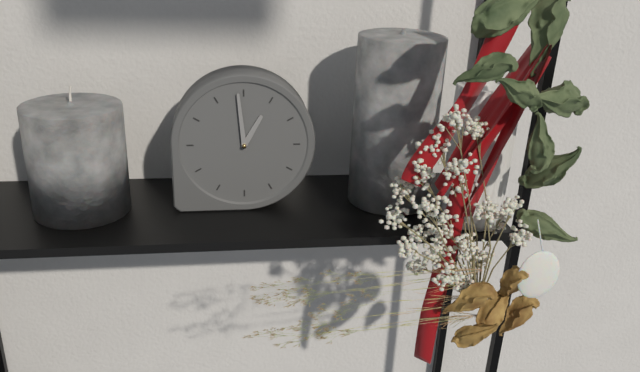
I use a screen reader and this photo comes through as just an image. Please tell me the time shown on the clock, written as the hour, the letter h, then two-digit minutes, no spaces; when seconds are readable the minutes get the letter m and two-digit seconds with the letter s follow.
12h59
